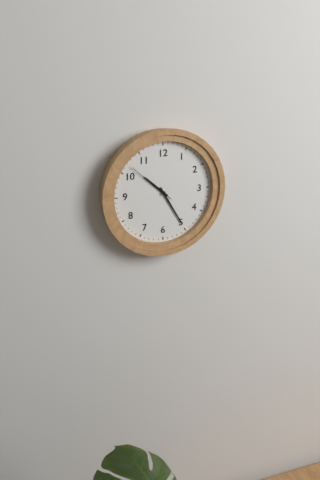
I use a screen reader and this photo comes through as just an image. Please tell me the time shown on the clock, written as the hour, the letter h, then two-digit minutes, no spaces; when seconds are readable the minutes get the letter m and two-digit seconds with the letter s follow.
10h25m52s
